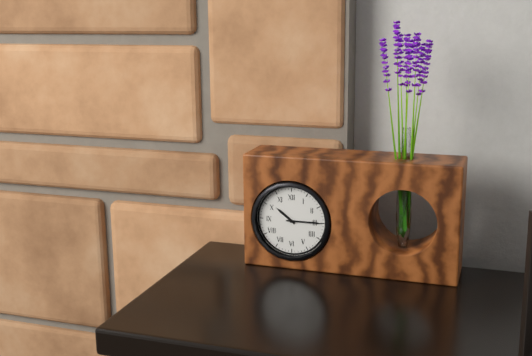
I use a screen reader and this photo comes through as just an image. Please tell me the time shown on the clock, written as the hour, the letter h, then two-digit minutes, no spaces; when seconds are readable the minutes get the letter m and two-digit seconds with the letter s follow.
10h15
